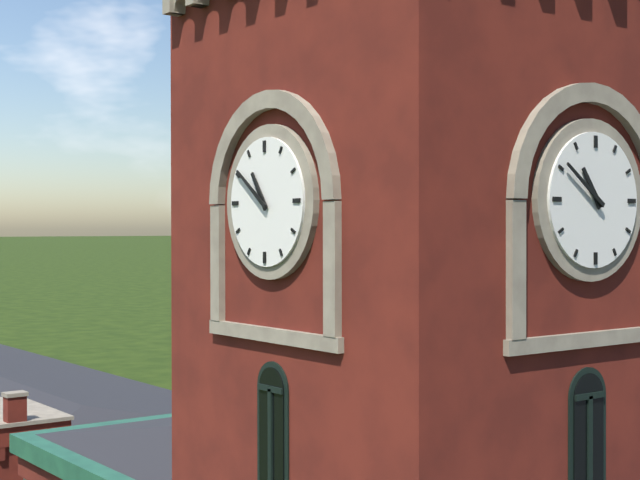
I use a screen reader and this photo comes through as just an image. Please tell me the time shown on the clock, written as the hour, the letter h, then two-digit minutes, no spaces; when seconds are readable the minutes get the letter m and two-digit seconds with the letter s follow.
10h51
